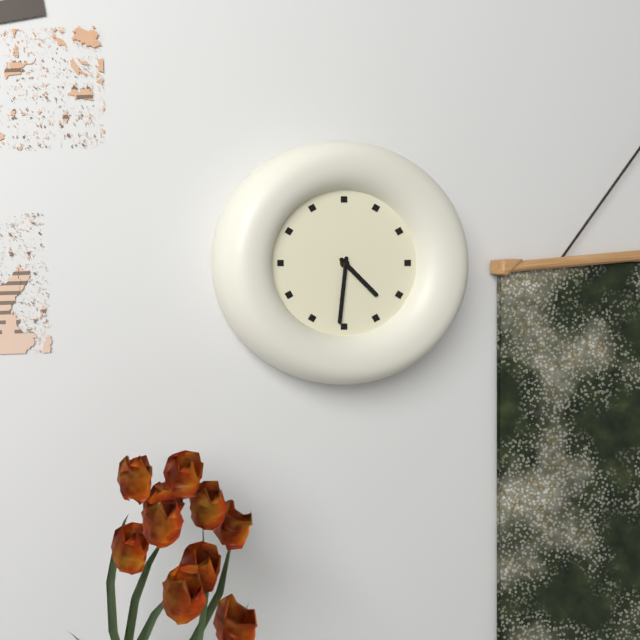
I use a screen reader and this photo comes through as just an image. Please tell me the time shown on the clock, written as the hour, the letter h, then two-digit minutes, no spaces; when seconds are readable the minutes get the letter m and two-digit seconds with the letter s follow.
4h31
